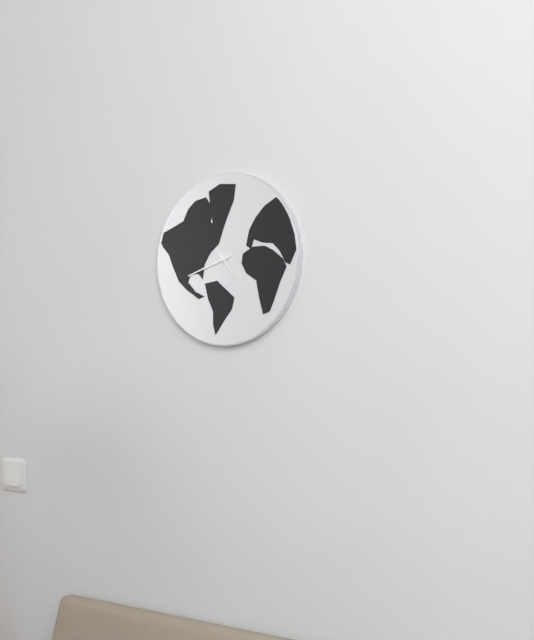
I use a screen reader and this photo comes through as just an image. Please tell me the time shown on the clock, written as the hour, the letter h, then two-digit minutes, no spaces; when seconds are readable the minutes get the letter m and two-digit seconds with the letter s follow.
4h42
